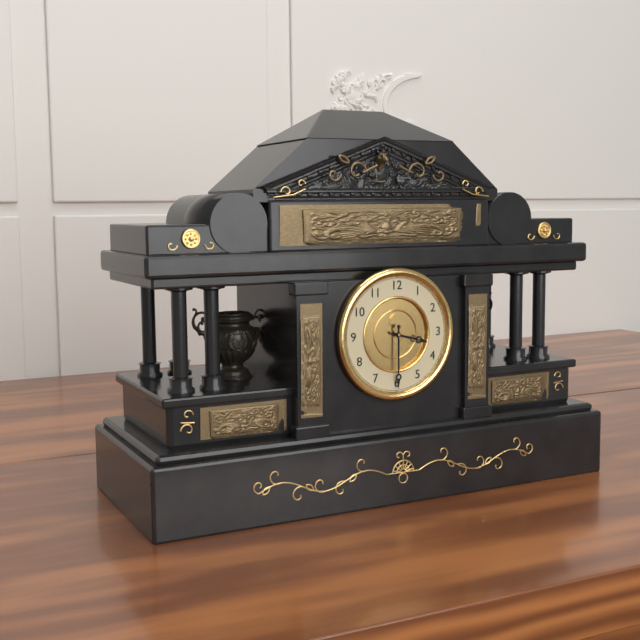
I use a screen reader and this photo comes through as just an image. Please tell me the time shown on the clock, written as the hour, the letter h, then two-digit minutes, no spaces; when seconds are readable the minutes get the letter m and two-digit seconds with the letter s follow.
3h30
